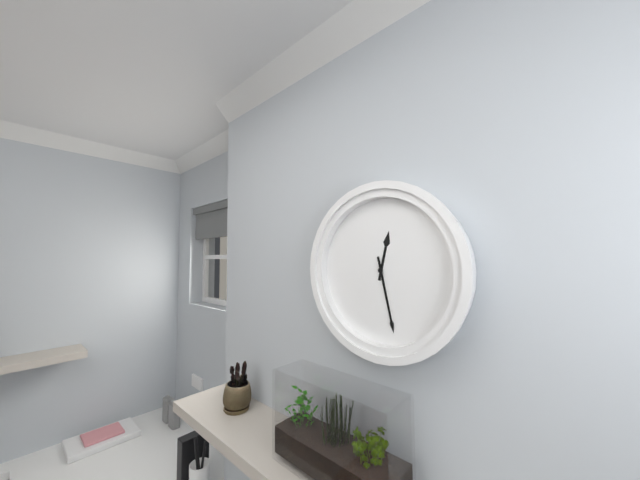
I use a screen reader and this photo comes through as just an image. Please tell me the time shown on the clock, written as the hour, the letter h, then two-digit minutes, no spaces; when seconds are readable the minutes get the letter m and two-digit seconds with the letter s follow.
12h28
